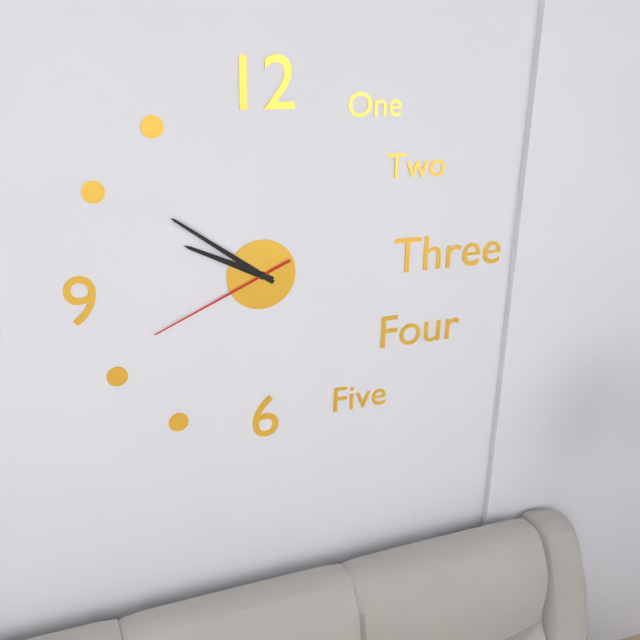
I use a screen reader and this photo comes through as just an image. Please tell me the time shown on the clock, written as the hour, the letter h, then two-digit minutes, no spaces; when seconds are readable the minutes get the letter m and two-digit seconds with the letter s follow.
9h51m41s
